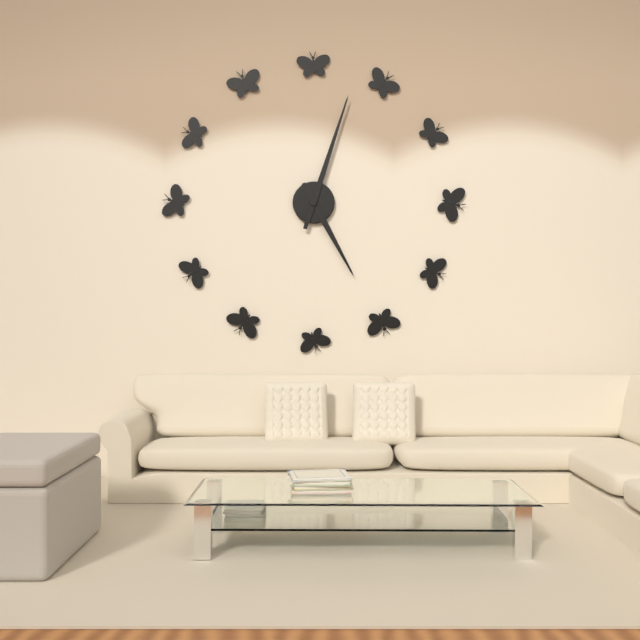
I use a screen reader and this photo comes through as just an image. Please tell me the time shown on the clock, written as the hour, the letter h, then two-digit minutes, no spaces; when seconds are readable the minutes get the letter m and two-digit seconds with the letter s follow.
5h03
